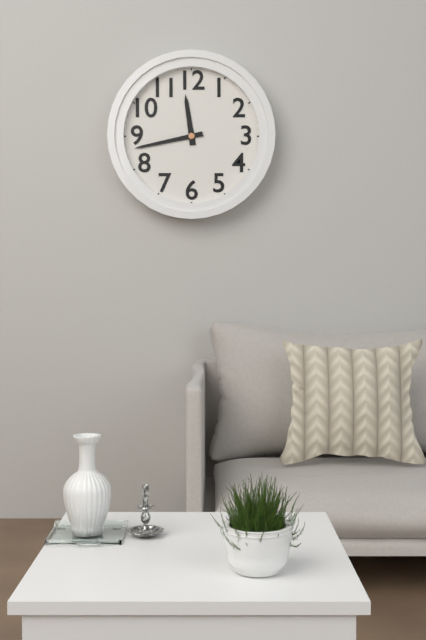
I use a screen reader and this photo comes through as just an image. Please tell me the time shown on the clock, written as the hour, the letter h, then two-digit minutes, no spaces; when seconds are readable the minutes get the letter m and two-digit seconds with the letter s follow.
11h43
